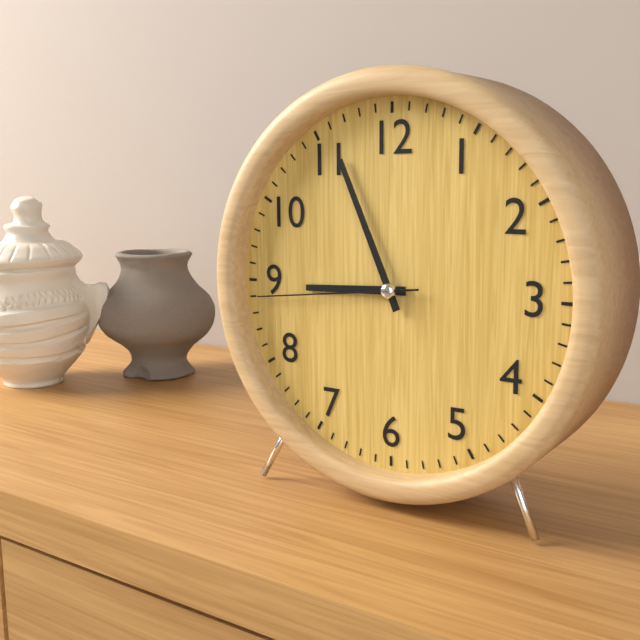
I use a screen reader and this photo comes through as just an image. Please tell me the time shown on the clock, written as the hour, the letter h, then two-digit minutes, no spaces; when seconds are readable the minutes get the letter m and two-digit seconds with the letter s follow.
8h56m44s
